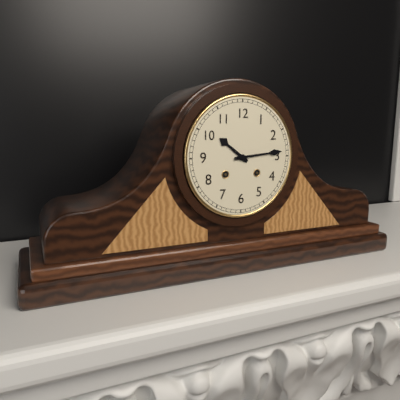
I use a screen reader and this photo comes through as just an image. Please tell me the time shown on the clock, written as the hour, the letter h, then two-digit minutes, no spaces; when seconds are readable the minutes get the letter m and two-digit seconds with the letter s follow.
10h14
